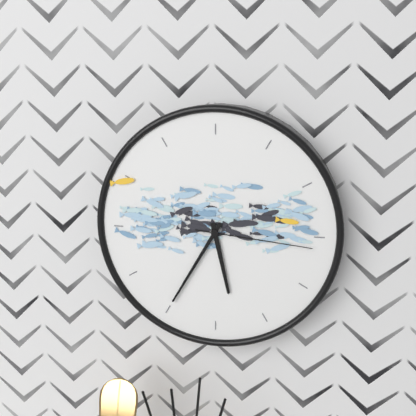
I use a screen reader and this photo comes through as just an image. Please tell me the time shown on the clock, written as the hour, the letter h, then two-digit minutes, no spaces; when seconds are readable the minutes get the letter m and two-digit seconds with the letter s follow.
5h35m16s
